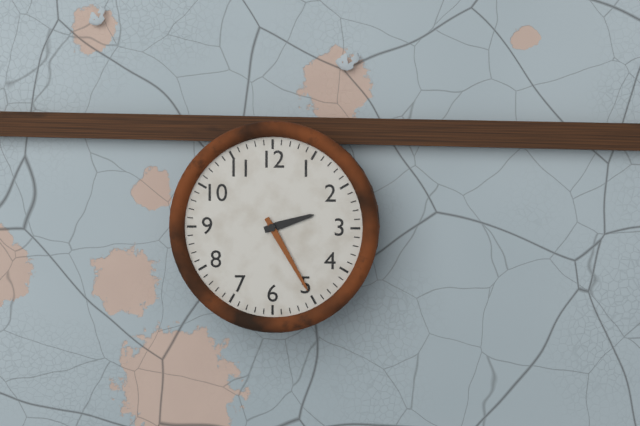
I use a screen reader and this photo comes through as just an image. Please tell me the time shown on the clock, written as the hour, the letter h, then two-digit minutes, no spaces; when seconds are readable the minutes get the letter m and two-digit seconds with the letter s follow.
2h25
